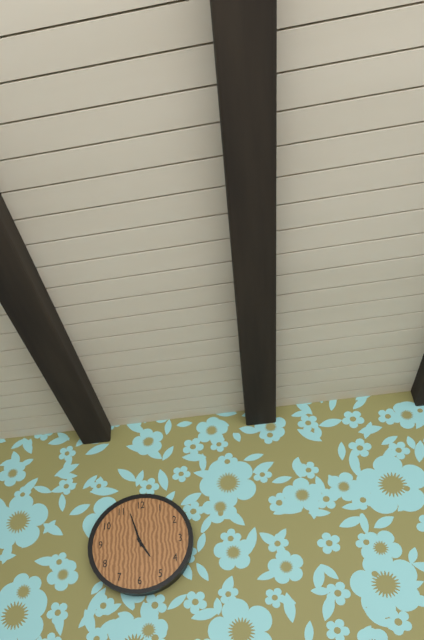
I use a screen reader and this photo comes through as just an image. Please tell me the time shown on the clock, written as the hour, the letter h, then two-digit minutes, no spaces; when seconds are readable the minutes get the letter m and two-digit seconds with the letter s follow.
4h57
